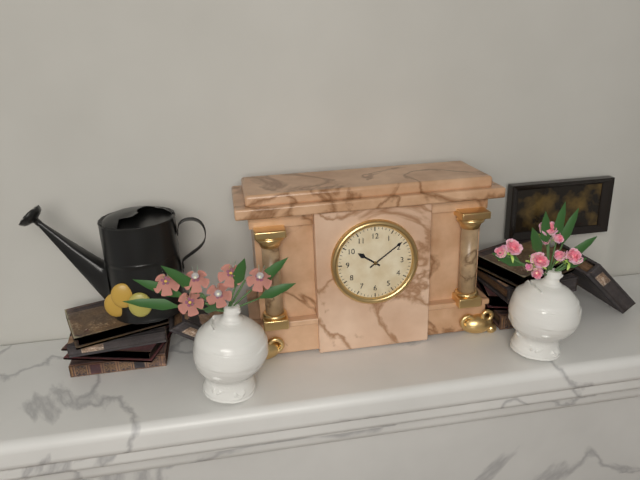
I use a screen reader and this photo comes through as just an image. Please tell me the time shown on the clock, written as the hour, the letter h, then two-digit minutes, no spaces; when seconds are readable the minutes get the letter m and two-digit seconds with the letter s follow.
10h09
